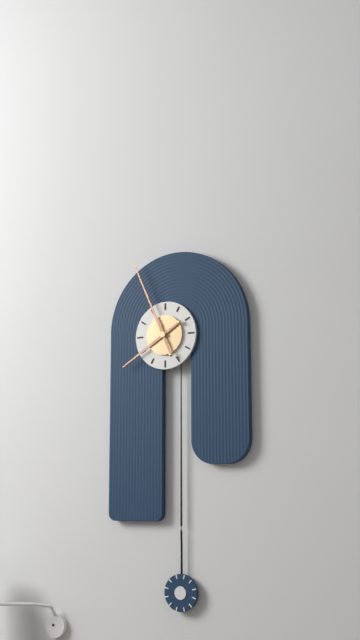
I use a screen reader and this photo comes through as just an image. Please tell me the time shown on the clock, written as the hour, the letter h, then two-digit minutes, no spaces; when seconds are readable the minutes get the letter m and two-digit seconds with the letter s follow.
7h56
